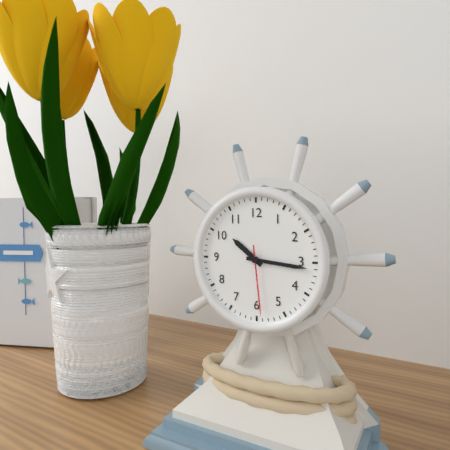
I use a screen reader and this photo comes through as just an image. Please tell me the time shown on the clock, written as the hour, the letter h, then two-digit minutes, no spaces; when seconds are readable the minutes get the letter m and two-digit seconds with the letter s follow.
10h16m29s
